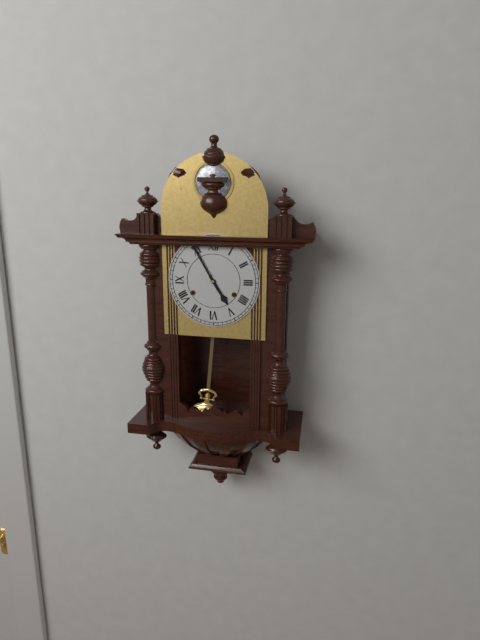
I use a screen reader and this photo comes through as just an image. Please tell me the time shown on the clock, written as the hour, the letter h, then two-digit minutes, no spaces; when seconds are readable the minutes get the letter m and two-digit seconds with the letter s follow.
4h55
